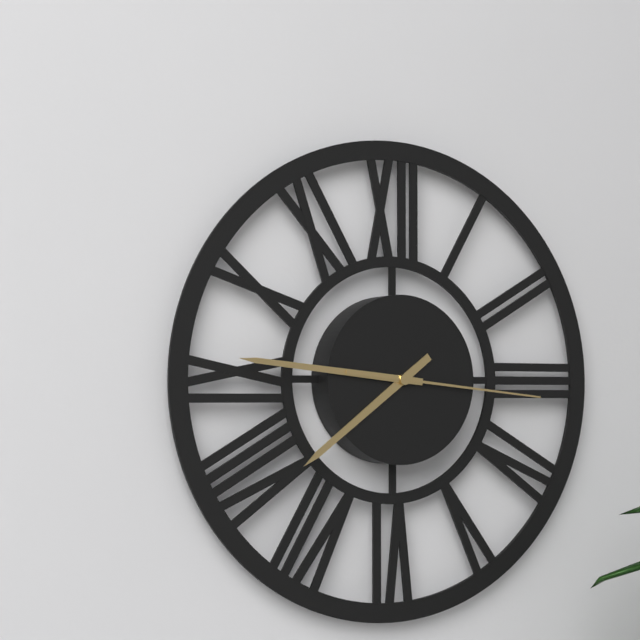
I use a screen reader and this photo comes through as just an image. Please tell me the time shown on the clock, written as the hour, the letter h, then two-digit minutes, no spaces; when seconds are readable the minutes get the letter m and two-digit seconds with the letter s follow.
7h46m16s
